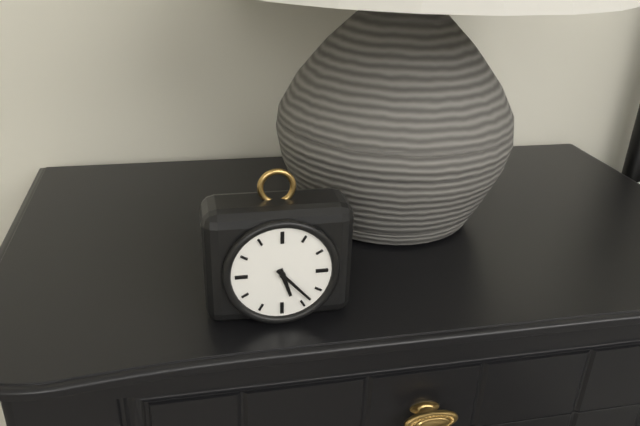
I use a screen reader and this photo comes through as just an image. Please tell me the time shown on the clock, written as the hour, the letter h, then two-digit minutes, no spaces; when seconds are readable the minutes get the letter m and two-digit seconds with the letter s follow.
5h23
